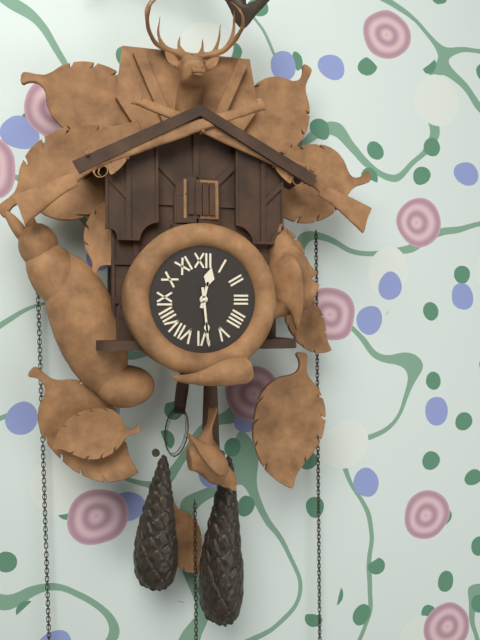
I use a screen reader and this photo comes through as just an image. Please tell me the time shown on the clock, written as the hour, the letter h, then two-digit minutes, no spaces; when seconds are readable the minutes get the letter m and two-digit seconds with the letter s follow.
12h29
